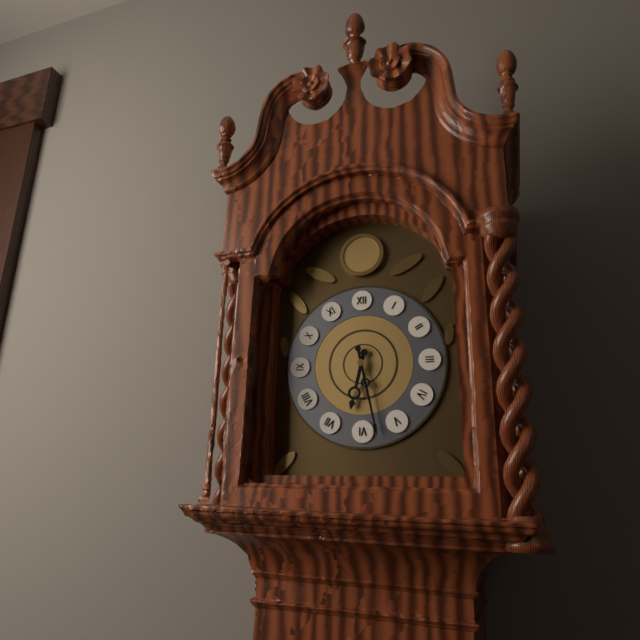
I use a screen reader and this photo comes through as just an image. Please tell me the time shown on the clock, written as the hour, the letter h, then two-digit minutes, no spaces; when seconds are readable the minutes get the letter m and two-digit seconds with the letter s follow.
6h28
